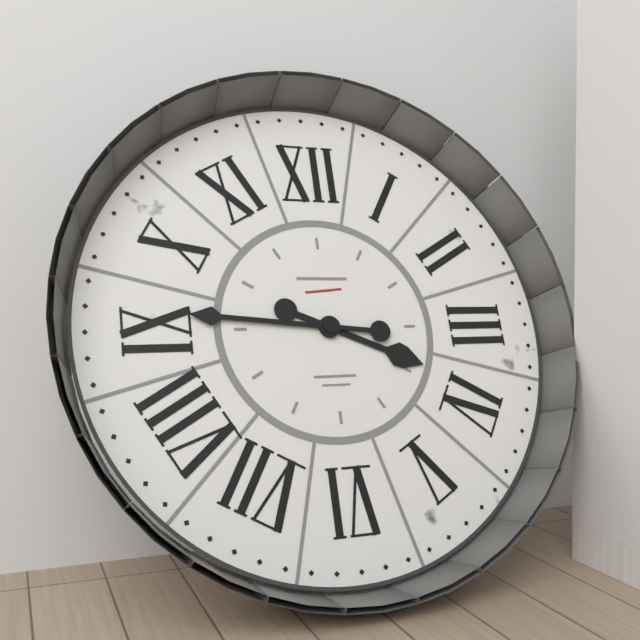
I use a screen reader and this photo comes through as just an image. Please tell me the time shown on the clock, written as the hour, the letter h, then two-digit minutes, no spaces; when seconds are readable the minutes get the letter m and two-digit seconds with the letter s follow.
3h46
